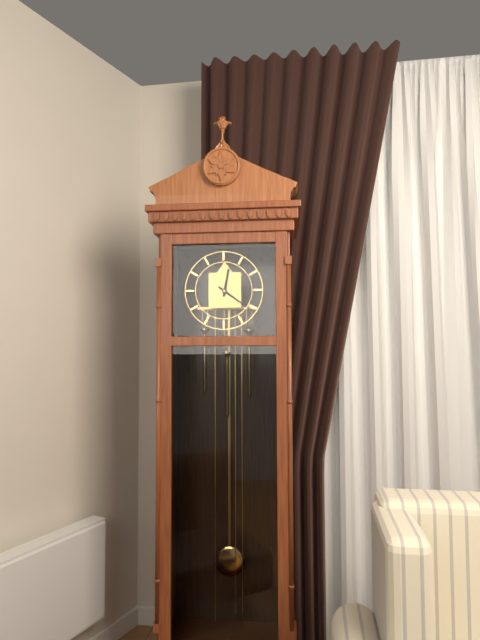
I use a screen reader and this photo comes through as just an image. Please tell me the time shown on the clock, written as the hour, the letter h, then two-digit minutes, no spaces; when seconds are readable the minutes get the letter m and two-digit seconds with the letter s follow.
12h21
